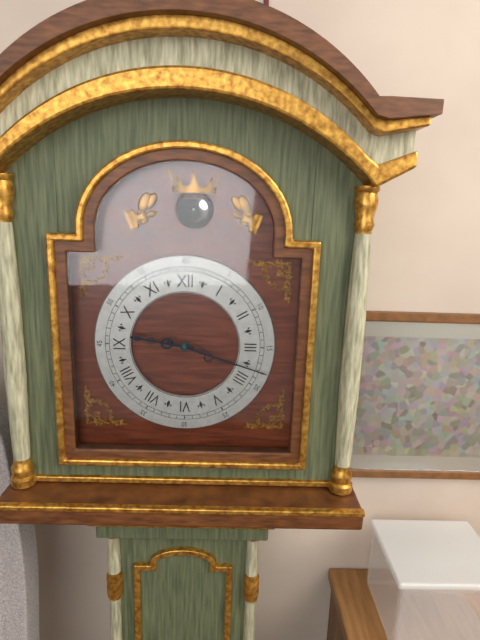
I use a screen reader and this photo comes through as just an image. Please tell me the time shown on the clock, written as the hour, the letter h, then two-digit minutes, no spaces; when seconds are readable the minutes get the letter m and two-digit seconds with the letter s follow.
9h18
